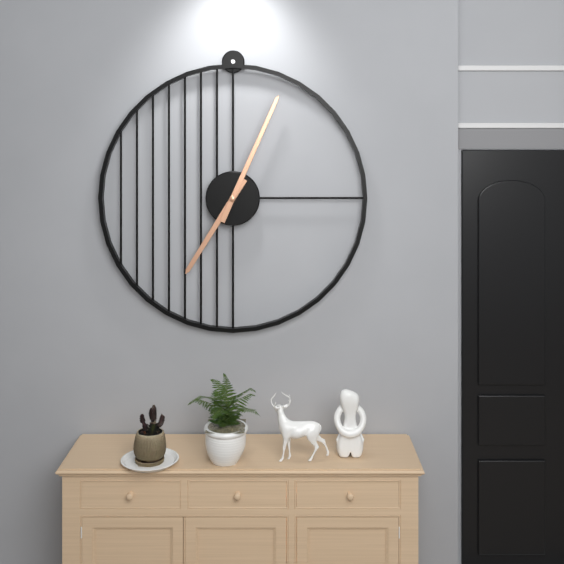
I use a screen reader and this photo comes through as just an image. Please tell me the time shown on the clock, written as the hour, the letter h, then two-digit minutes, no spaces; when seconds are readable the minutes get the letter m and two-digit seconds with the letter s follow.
7h04
